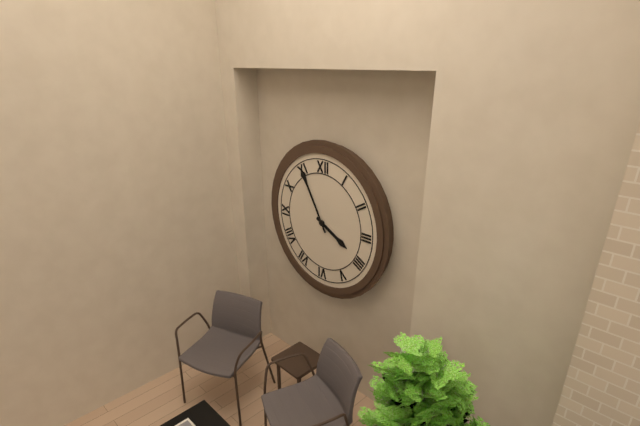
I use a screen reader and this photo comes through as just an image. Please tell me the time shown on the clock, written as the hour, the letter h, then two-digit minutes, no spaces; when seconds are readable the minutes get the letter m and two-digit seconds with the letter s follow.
3h55
